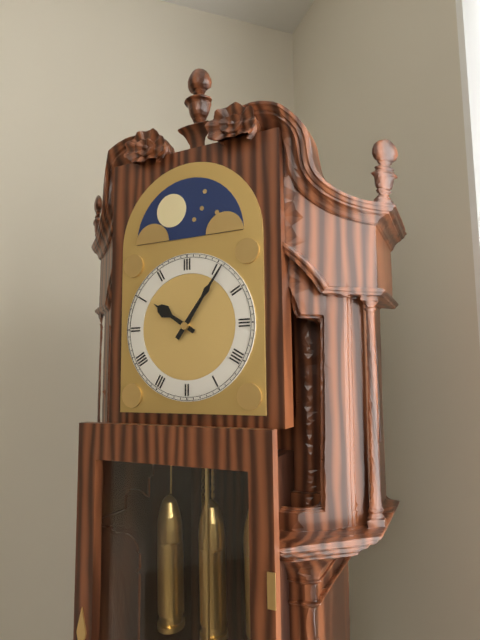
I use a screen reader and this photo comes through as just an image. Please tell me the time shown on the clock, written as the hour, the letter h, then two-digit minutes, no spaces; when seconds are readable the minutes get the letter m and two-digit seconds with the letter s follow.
10h06
